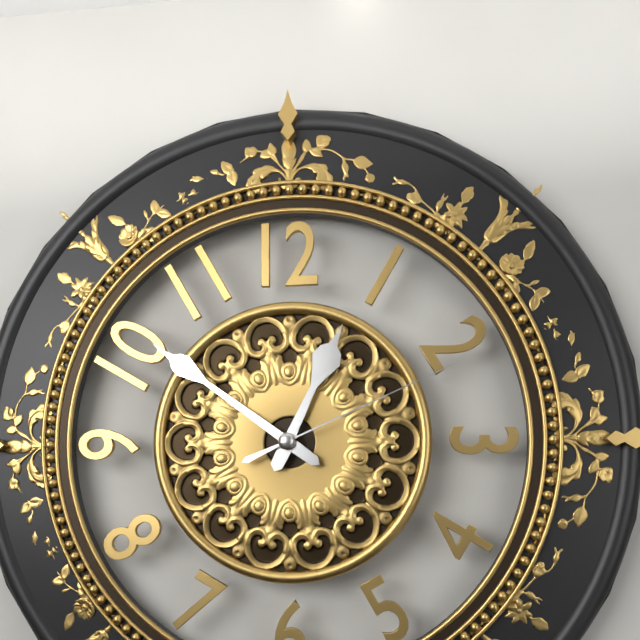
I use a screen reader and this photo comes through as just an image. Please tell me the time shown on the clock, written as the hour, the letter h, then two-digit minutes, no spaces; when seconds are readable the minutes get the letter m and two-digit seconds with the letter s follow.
12h51m11s
